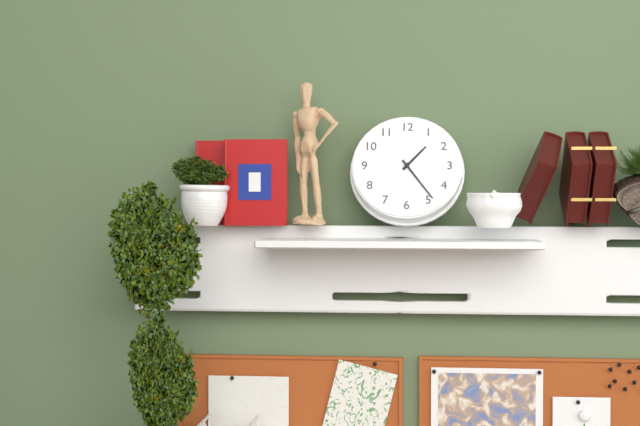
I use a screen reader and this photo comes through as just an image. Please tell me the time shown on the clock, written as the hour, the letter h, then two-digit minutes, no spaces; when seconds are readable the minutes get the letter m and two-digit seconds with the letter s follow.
1h24
